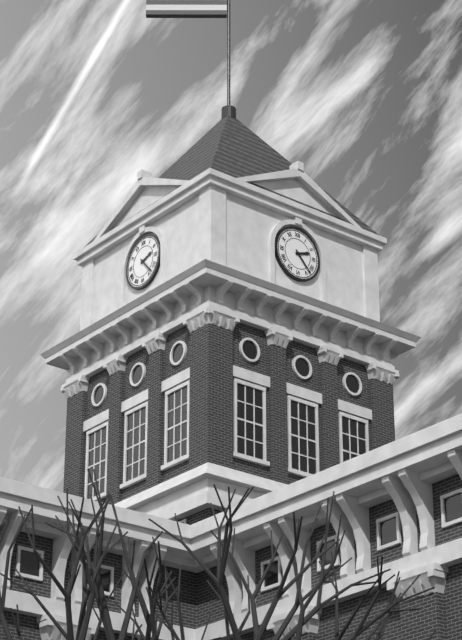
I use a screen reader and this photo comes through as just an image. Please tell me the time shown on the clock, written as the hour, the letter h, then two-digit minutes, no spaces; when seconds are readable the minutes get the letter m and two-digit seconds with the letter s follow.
2h23
